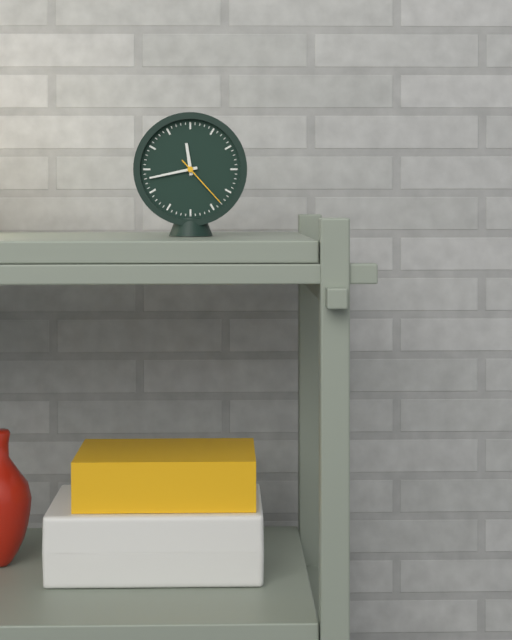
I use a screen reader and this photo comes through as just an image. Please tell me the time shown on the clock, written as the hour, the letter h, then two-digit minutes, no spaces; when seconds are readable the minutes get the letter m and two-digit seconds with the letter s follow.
11h43m23s
